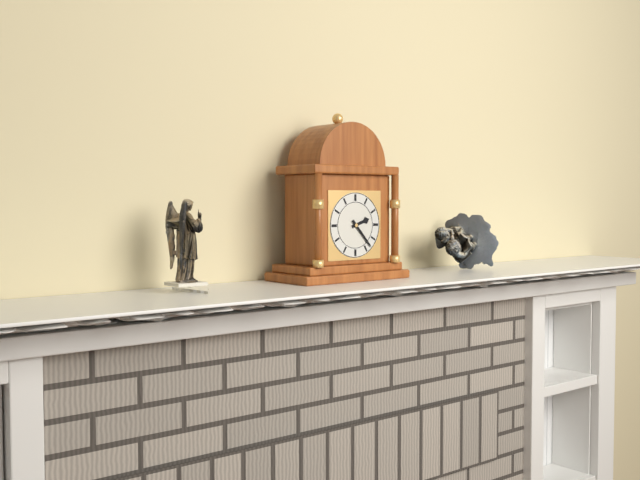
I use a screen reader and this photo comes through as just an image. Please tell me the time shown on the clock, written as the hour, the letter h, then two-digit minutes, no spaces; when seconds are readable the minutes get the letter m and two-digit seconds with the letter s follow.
2h23
